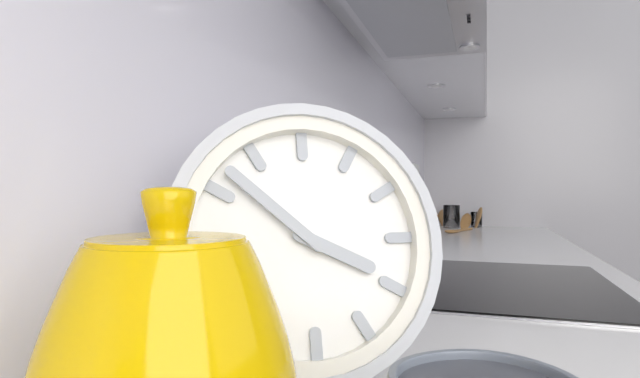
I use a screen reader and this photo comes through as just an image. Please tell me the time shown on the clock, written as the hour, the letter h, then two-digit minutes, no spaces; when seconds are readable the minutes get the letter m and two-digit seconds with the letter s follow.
3h52
